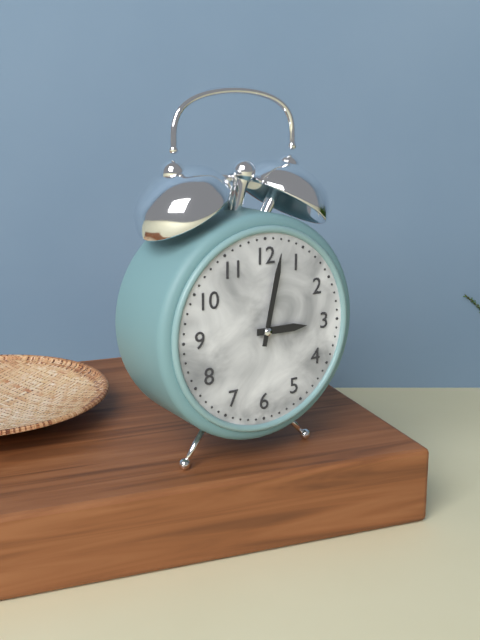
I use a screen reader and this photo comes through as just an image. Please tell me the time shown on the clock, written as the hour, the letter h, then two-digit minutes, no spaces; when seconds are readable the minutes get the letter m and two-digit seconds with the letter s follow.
3h02
